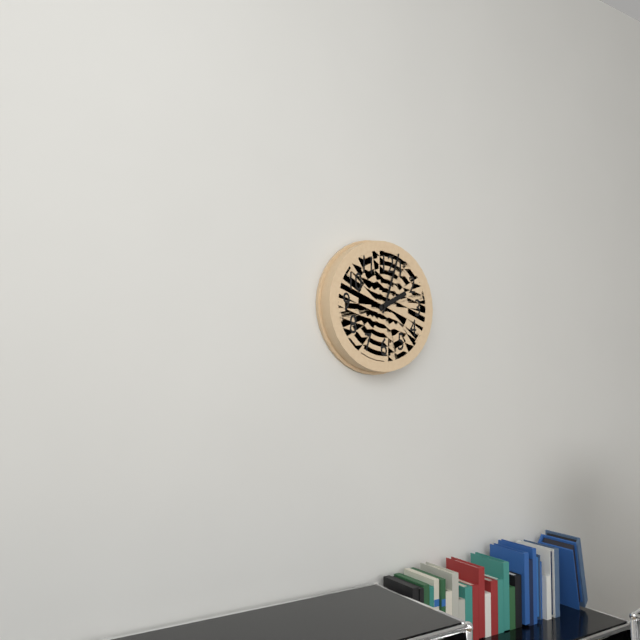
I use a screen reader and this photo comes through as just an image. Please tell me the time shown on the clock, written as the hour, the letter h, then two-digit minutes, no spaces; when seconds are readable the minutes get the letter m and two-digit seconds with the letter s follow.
2h03
